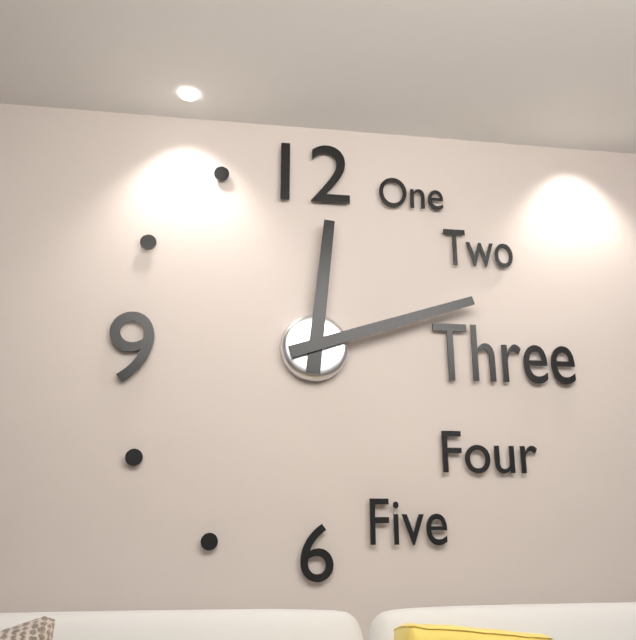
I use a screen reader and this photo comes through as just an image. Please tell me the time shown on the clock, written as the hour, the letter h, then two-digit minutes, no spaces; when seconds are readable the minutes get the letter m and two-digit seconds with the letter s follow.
12h12
